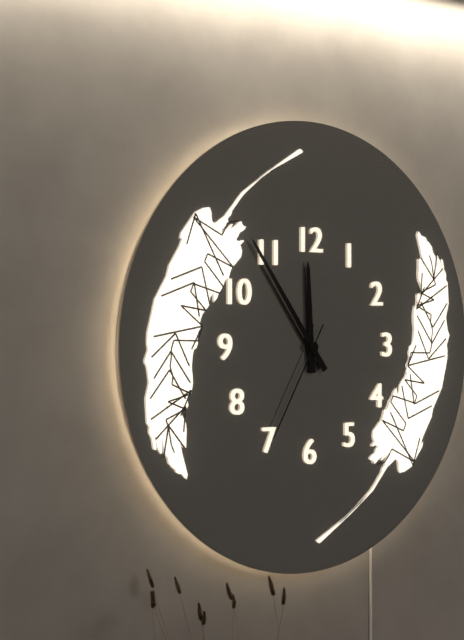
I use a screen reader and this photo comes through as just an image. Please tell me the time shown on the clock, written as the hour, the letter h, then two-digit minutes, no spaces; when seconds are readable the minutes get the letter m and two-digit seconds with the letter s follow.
11h54m35s
